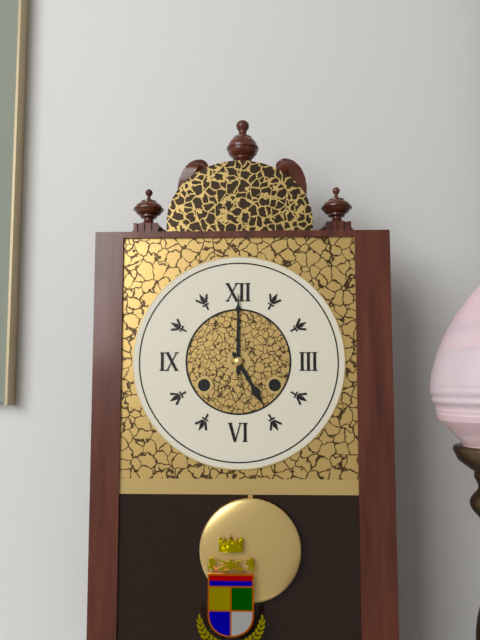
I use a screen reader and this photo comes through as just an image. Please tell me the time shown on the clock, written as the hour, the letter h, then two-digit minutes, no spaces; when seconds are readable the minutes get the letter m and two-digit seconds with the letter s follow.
5h00
